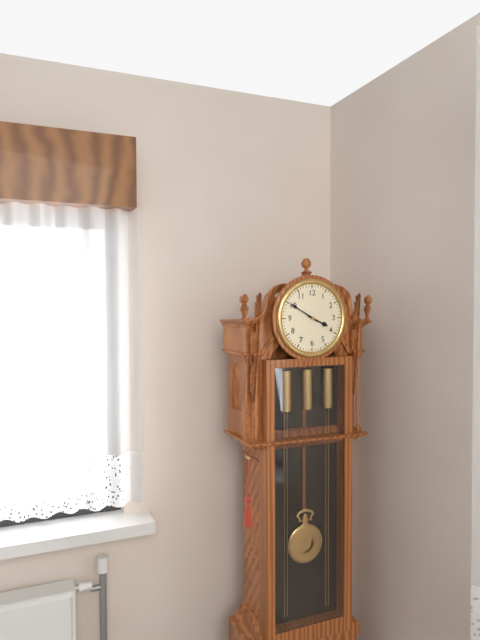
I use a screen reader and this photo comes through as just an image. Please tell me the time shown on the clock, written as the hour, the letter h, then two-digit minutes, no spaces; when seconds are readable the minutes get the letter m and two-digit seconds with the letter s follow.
3h50
